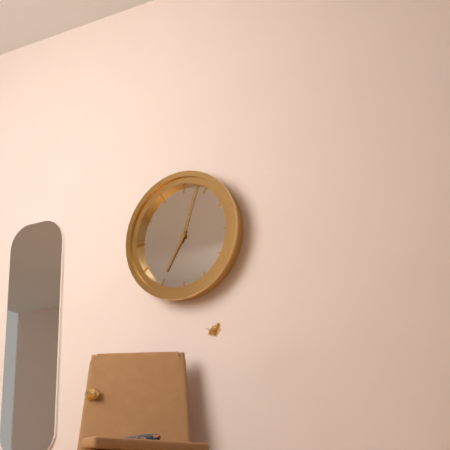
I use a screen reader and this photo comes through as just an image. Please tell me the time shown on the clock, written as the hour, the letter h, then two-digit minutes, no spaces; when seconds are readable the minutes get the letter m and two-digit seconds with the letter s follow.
7h03
